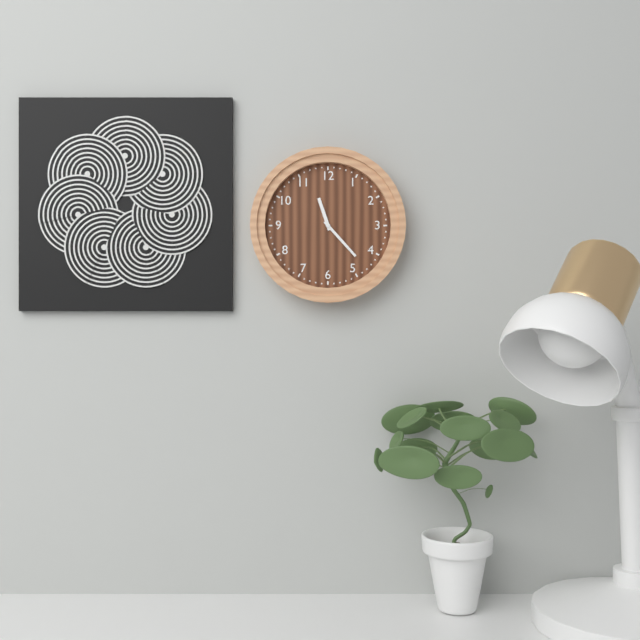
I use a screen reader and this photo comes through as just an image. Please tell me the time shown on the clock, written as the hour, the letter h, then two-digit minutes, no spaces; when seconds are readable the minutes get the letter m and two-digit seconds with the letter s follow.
11h23
